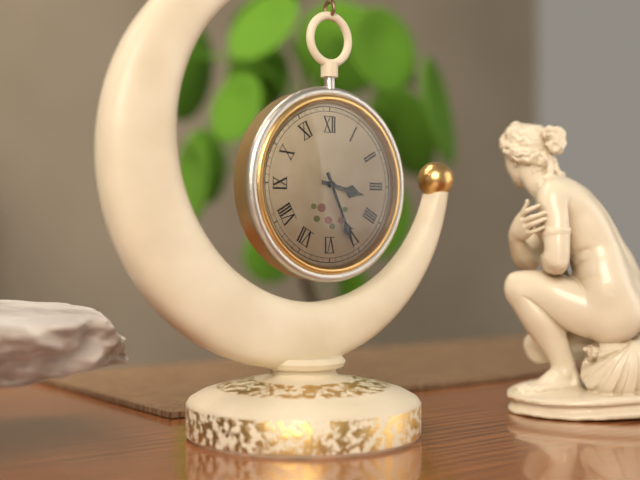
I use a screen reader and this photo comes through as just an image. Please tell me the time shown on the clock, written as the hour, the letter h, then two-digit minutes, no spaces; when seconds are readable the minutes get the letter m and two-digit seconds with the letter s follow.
3h26
